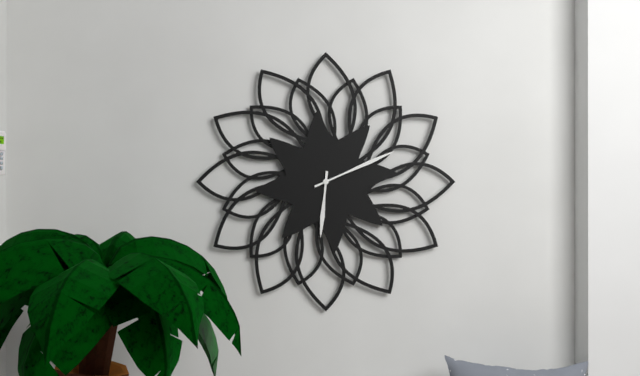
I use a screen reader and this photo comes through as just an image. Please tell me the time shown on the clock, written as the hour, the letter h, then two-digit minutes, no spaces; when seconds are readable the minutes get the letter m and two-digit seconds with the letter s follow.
6h11
